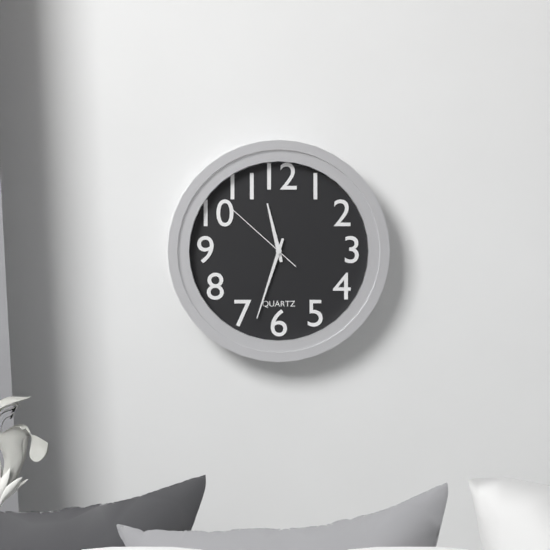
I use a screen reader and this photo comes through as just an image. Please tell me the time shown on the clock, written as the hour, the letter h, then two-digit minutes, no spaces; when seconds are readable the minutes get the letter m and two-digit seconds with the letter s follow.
11h33m52s
